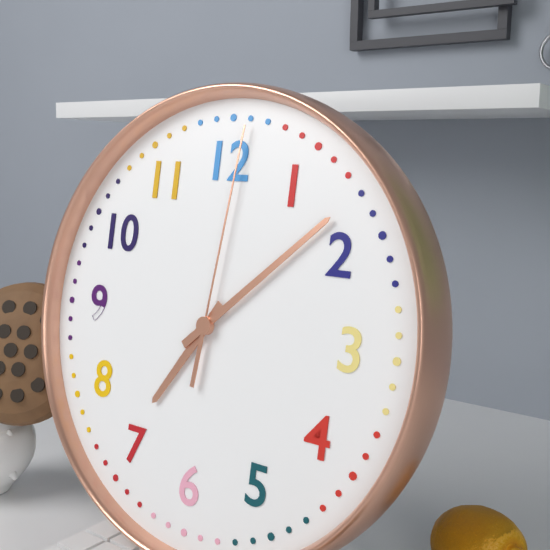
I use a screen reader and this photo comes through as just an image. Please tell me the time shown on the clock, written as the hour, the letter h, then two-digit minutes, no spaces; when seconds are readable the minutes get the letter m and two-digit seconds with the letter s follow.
7h08m01s
